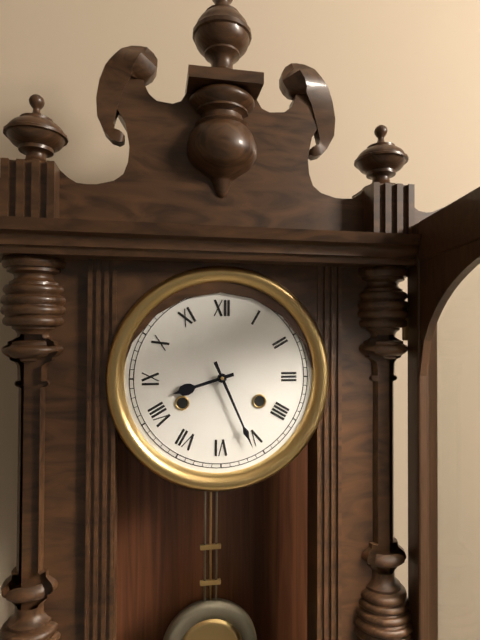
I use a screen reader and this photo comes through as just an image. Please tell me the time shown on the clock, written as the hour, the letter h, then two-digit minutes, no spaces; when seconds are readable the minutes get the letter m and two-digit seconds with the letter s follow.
8h26
